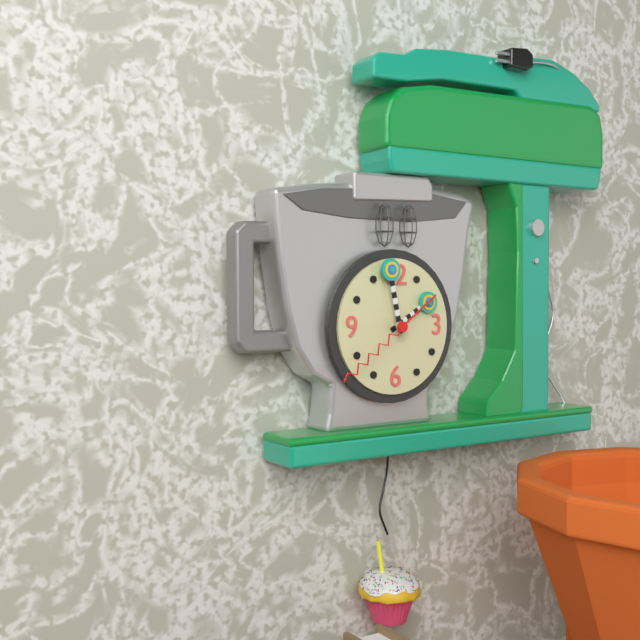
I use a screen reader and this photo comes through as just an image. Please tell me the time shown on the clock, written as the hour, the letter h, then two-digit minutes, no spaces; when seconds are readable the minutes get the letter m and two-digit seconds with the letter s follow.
1h58m39s
